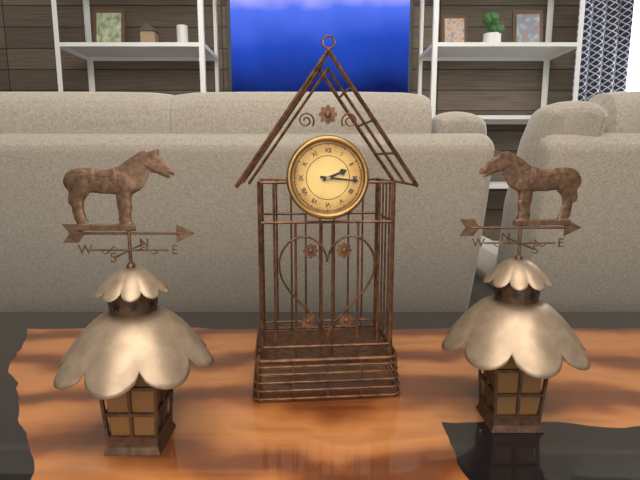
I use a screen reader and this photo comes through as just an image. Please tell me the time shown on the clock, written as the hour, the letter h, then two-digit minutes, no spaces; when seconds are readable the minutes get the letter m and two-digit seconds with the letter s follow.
2h16
